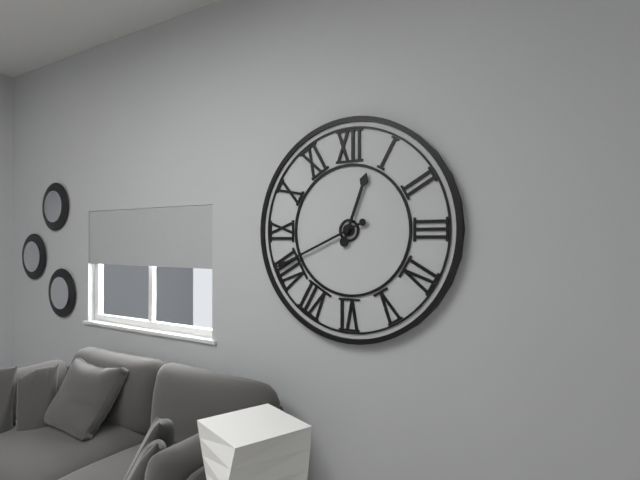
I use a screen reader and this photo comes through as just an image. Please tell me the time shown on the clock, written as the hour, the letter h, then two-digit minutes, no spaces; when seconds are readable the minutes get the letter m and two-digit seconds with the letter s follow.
12h41
